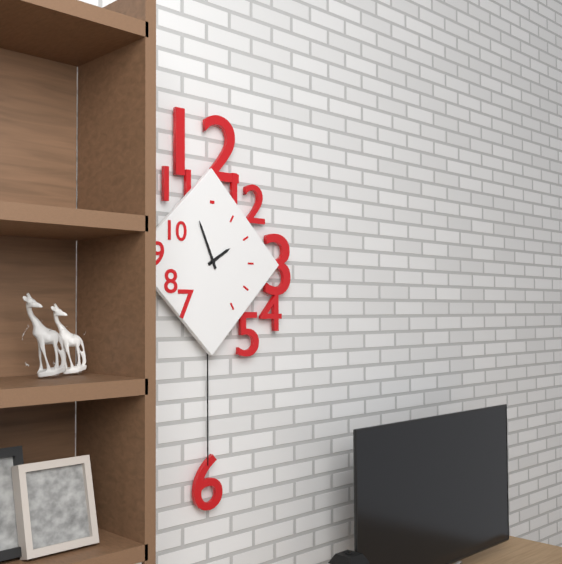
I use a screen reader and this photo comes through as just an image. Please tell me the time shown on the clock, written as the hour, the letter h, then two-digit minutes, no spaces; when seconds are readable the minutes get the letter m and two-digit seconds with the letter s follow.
1h56
